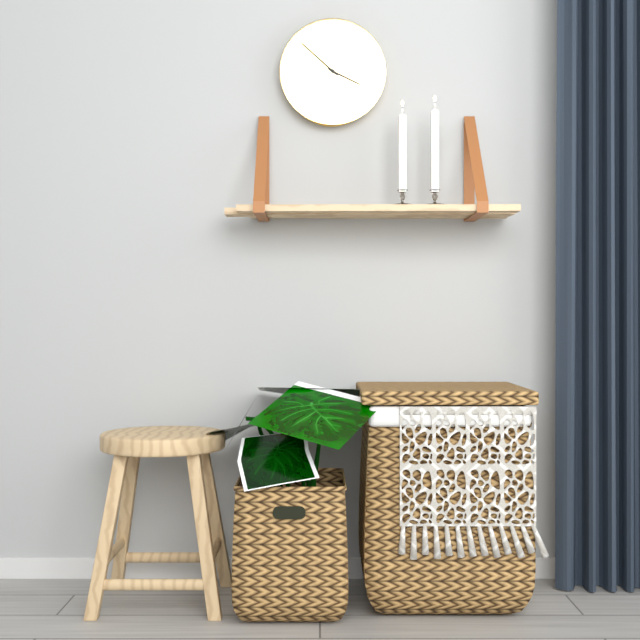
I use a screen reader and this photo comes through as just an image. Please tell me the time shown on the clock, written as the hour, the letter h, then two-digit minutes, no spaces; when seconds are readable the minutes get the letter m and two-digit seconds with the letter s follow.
3h52
